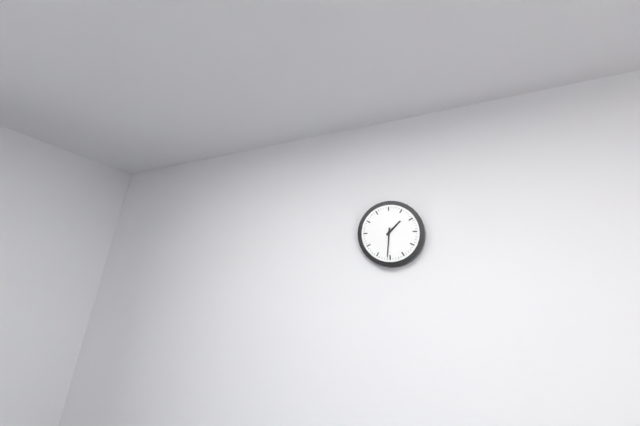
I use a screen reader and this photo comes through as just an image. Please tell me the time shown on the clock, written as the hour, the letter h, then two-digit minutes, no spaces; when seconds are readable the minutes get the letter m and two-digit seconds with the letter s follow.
1h31
